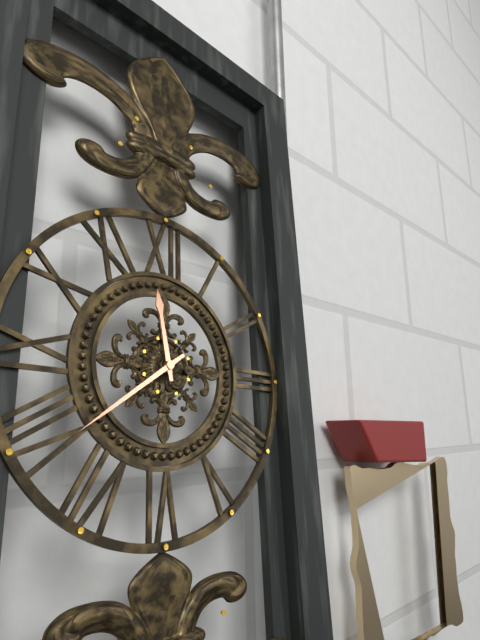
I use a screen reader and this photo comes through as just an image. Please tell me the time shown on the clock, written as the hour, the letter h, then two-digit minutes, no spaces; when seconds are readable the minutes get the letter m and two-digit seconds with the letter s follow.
11h39
